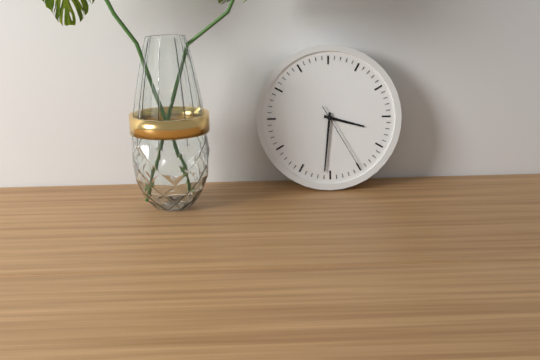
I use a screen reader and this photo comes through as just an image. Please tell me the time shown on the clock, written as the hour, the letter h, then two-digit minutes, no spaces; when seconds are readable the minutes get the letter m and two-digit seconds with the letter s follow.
3h31m25s
